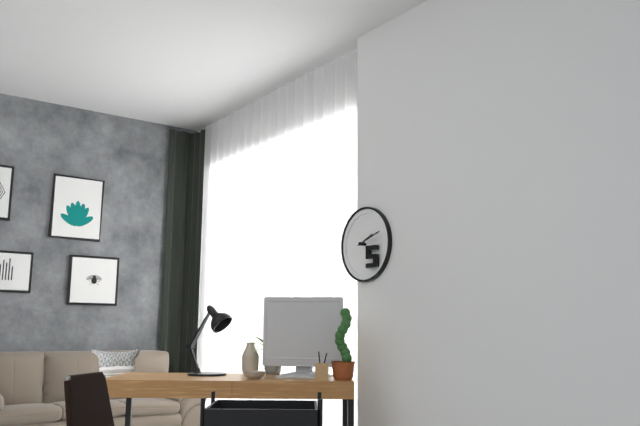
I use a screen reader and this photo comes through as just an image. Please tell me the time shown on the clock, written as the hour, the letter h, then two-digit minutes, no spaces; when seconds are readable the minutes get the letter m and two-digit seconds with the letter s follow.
2h12
